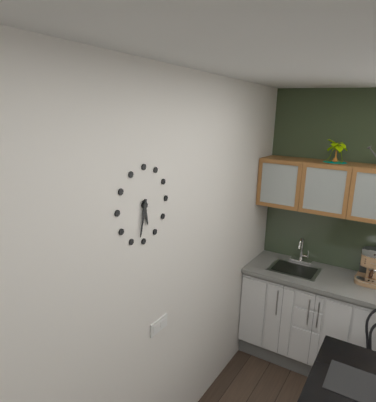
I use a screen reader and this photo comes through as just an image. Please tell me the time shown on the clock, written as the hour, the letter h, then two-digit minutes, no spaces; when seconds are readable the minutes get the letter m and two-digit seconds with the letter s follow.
5h32
